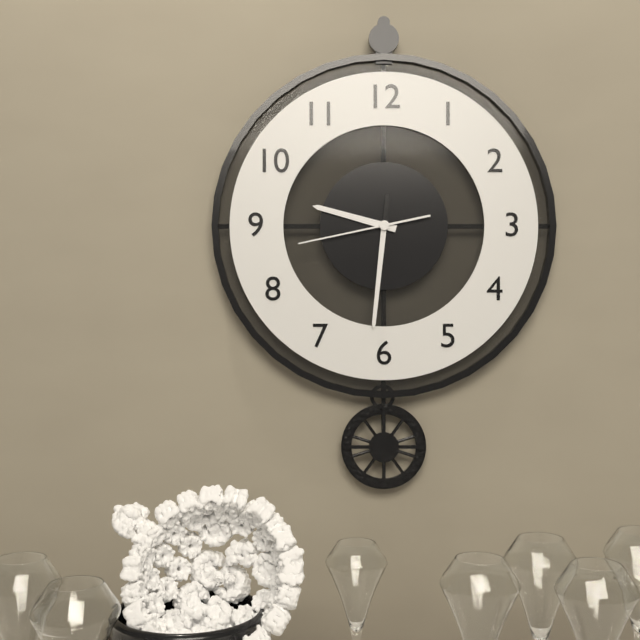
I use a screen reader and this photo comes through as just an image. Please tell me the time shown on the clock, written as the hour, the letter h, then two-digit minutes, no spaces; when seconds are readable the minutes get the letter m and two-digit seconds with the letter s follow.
9h31m43s
